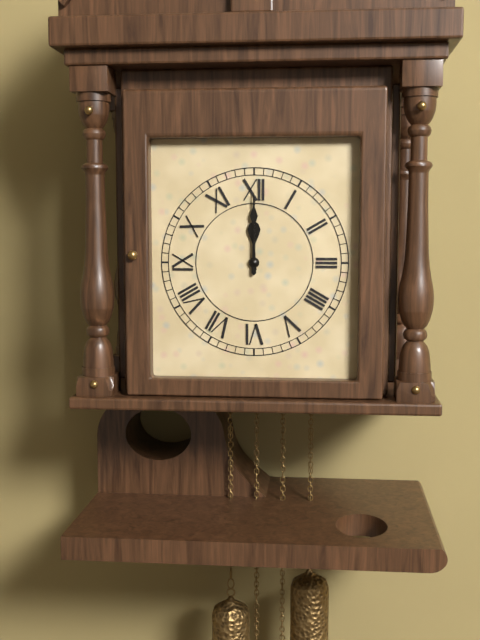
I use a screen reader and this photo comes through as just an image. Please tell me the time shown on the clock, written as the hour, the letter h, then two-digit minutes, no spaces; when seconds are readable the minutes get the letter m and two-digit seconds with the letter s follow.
12h00
